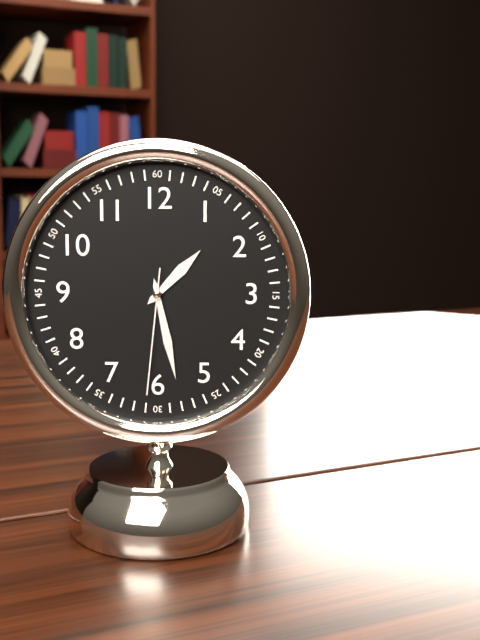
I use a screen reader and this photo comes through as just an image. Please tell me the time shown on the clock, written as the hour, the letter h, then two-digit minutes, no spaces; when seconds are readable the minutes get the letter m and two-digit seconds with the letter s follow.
1h28m31s
